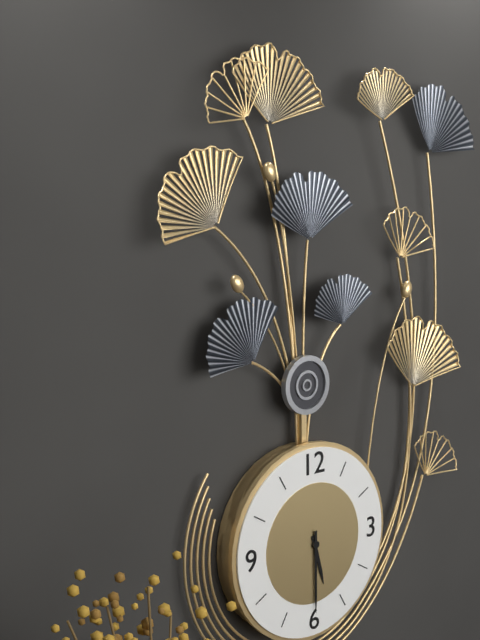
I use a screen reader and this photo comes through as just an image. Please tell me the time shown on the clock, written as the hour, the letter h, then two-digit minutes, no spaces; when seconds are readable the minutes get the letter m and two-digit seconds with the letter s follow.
5h30
